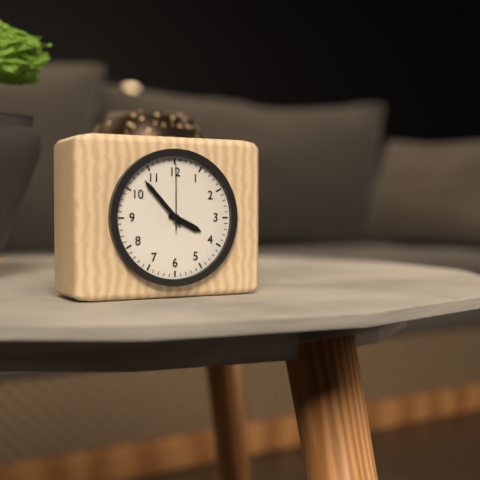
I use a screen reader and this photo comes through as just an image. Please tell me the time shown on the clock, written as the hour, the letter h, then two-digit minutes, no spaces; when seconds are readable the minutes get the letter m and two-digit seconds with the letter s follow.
3h53m00s
